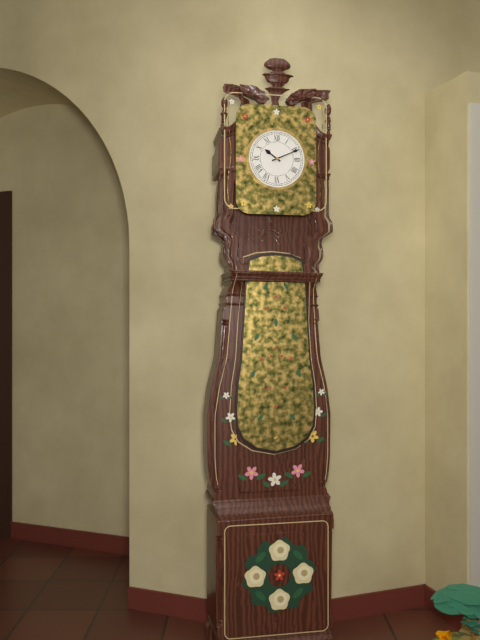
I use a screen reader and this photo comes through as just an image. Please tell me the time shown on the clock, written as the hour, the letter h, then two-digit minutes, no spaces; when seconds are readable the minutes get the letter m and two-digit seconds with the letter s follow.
10h11
